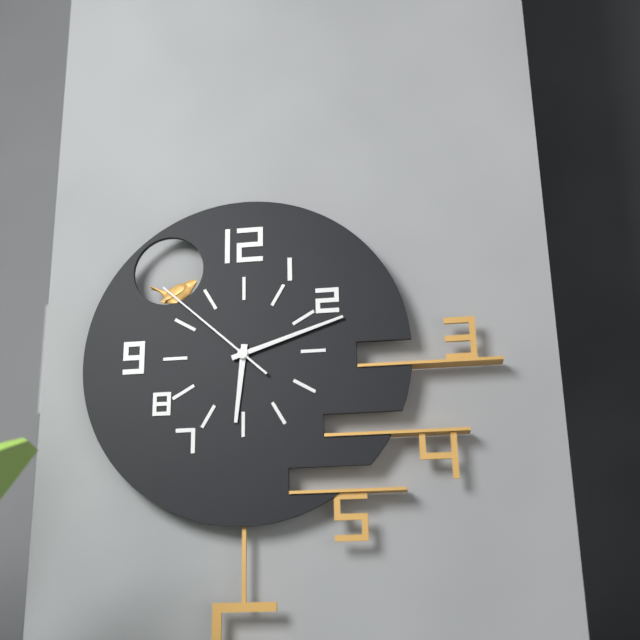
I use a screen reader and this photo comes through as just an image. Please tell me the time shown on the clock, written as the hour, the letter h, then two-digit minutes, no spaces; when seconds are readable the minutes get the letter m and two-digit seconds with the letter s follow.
6h12m52s
